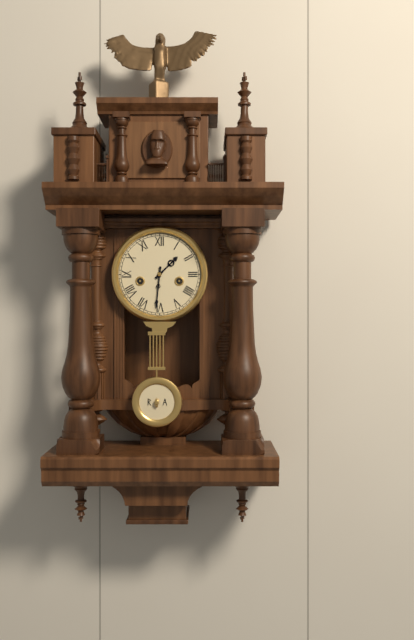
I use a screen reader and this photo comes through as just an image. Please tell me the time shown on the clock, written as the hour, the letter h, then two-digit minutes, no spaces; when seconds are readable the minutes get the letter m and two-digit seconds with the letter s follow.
1h31
